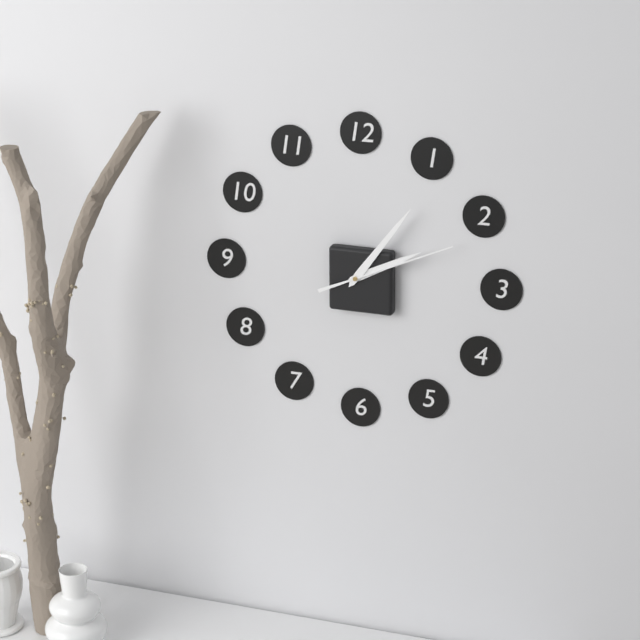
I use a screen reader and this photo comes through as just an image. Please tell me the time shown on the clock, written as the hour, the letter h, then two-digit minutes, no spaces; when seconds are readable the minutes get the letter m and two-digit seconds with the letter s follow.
2h06m11s
